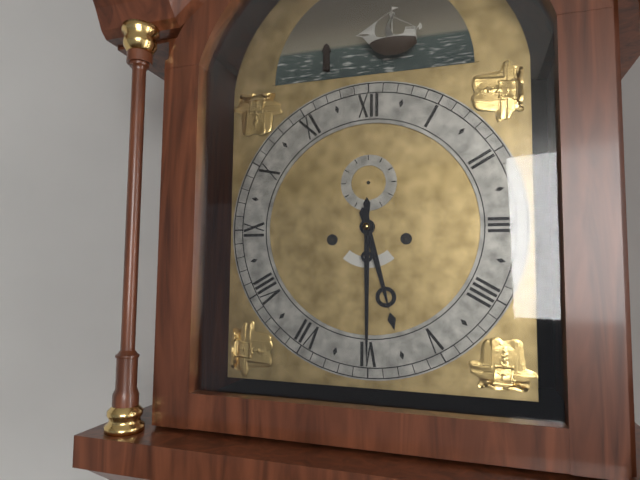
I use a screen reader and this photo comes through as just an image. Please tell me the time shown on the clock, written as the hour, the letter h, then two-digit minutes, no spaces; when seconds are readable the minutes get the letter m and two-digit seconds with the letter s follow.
5h30
